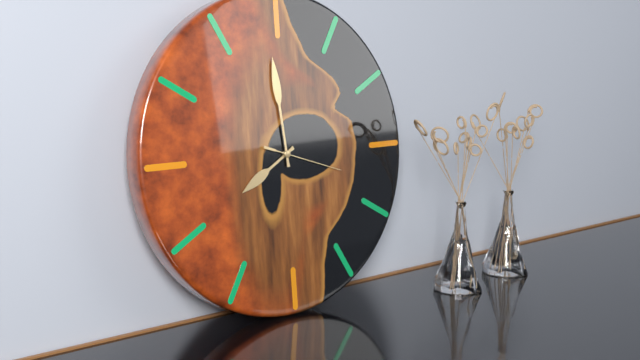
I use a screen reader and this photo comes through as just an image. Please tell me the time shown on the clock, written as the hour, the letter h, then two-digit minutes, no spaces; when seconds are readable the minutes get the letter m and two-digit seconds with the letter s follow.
7h59m18s
